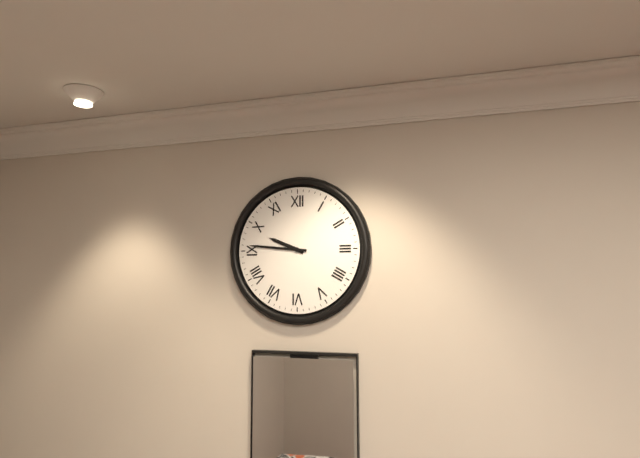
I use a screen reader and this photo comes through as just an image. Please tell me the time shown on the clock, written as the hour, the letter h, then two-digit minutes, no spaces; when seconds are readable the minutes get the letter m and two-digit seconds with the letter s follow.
9h46
